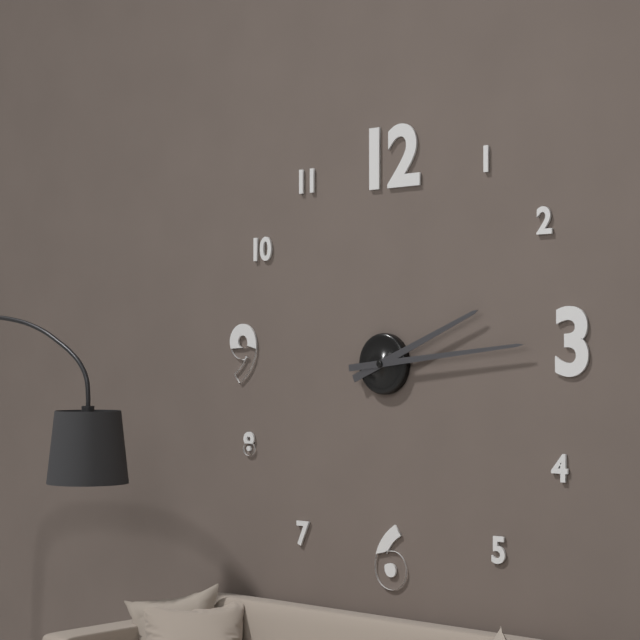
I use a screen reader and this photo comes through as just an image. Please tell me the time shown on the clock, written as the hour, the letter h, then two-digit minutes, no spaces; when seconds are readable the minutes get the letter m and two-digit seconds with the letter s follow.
2h14
